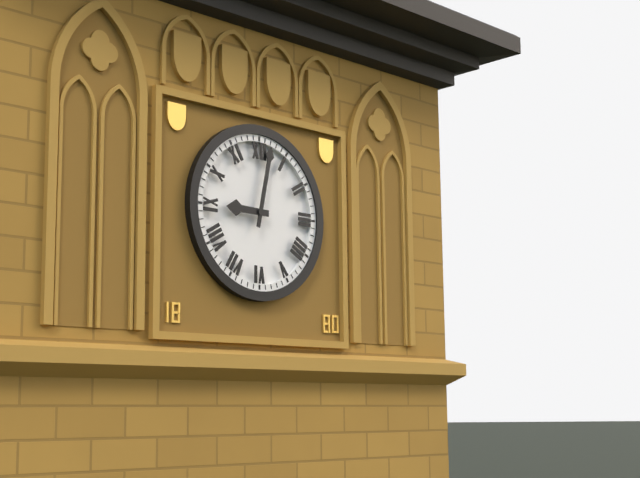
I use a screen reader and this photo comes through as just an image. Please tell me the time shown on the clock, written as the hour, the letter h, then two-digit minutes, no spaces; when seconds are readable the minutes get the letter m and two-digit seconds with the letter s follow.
9h02
